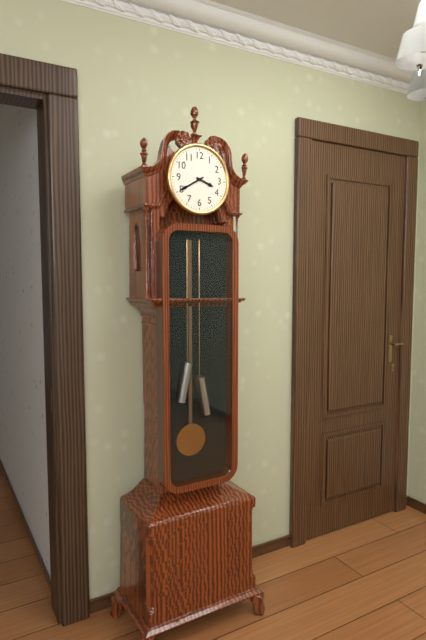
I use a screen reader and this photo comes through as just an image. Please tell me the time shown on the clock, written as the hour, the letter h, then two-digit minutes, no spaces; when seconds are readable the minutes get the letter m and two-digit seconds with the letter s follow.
3h40
